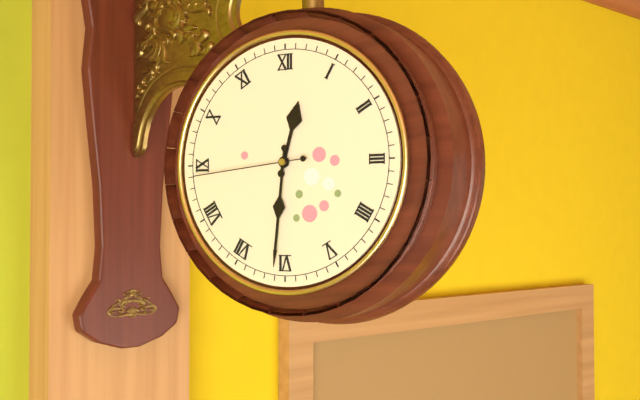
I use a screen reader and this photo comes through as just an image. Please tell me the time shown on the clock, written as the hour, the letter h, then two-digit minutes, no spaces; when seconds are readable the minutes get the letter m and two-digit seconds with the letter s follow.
12h31m44s
